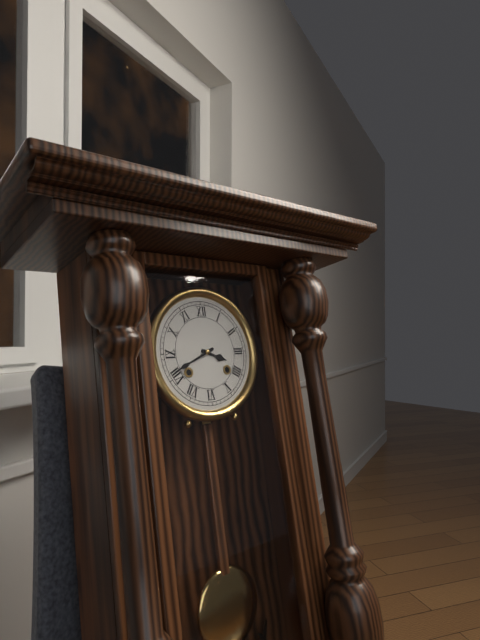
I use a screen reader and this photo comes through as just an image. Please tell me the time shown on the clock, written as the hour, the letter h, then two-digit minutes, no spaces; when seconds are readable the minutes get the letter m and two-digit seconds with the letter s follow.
3h41
